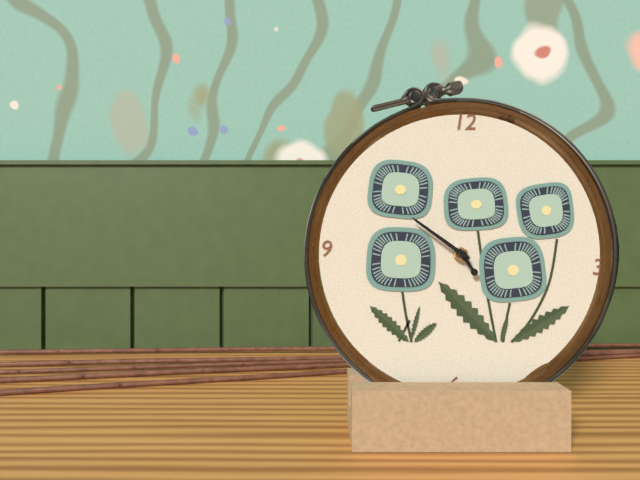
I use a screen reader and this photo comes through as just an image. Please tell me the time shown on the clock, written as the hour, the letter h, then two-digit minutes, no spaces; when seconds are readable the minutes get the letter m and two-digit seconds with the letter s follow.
4h51
